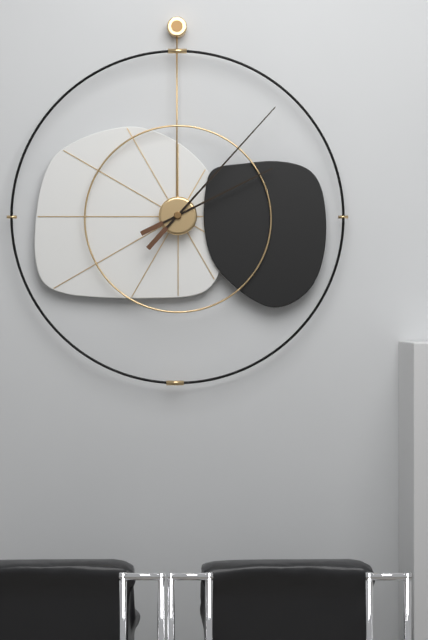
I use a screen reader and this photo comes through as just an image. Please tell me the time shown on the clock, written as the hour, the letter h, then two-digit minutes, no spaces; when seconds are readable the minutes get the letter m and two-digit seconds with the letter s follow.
2h07
